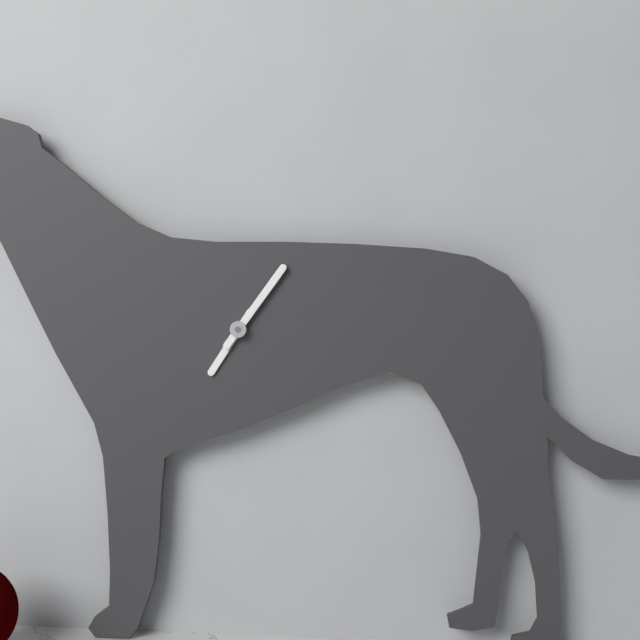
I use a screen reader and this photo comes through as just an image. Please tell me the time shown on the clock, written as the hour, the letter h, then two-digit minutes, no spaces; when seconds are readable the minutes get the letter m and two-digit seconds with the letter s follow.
7h06
